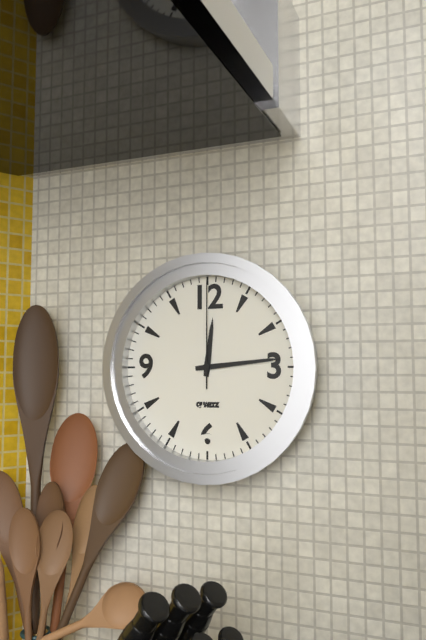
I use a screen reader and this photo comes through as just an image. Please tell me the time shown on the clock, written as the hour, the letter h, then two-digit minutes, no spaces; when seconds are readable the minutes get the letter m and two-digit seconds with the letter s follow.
12h14m00s
